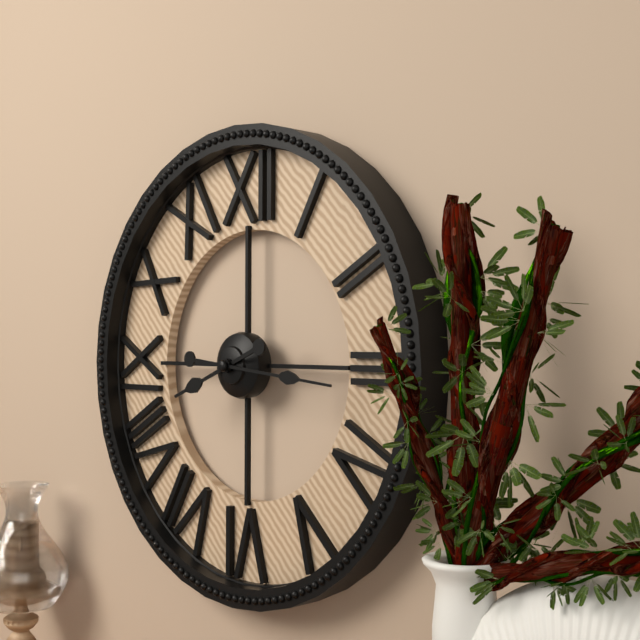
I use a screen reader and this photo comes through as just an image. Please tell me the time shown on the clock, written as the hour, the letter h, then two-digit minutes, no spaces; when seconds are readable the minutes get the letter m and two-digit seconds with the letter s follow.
8h16
